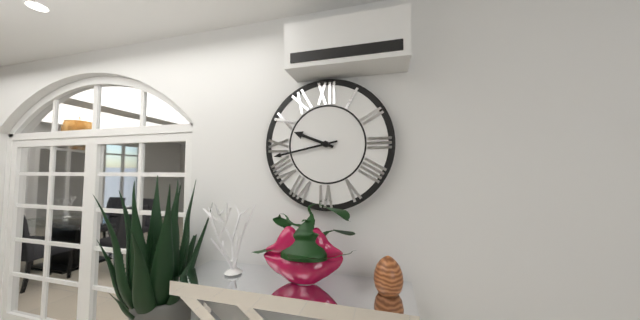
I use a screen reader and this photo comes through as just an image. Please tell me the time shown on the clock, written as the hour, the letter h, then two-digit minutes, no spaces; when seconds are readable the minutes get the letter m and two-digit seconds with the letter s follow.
9h43
